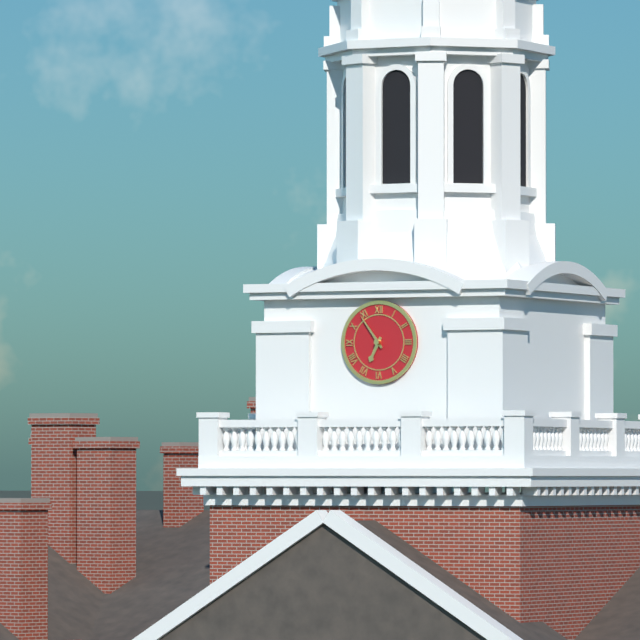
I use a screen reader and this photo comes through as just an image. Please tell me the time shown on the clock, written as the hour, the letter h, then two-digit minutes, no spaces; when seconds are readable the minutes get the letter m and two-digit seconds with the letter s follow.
6h54
